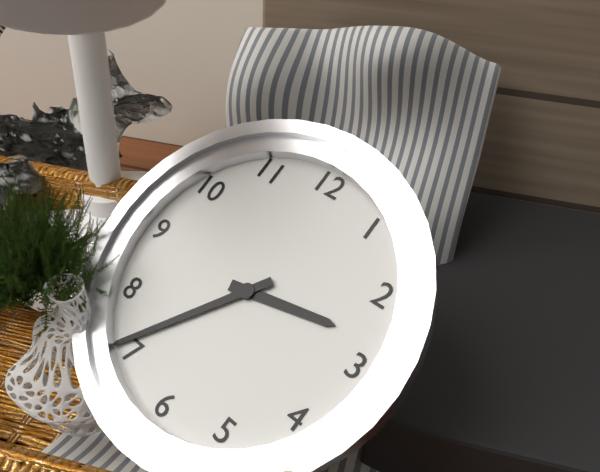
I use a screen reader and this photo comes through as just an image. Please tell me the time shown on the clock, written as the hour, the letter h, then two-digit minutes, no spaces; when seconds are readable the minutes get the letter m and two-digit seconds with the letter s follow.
2h36
